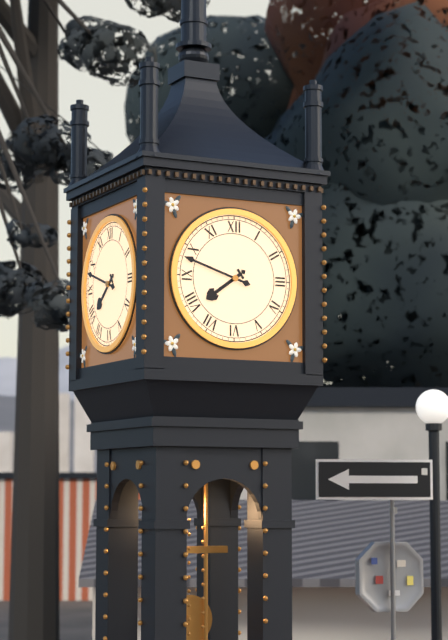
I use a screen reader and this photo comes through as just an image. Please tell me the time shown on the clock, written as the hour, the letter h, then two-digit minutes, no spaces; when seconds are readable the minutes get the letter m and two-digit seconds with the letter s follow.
7h48
